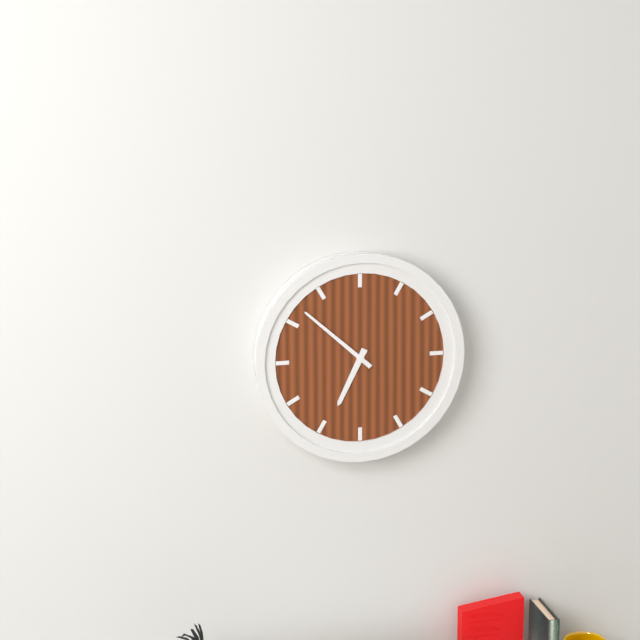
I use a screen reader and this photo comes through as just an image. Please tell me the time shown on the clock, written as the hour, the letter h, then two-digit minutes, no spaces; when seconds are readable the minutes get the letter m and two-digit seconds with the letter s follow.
6h52
